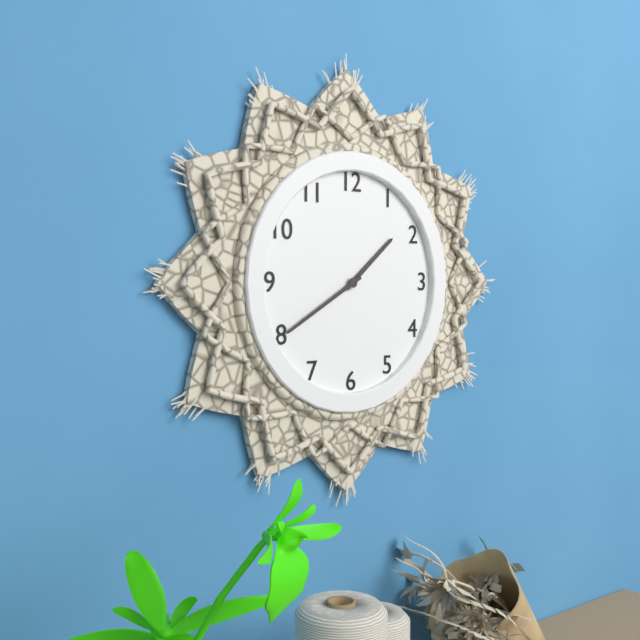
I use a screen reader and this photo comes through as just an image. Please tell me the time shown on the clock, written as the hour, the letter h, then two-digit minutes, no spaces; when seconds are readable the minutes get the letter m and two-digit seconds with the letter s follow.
1h40
